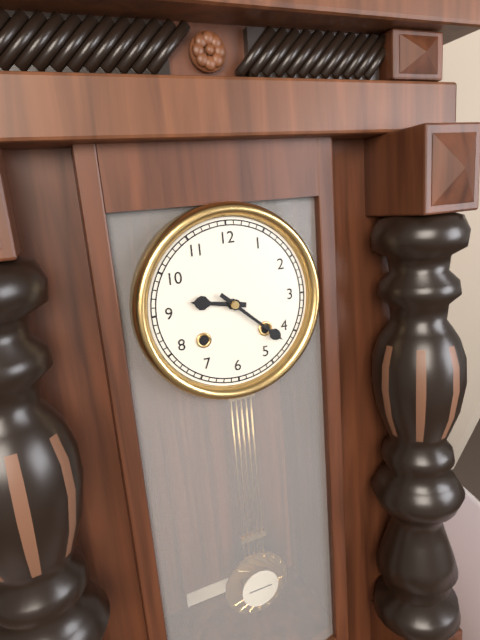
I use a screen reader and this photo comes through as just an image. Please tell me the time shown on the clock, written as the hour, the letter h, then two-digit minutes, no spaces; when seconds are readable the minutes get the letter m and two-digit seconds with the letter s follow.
9h22
